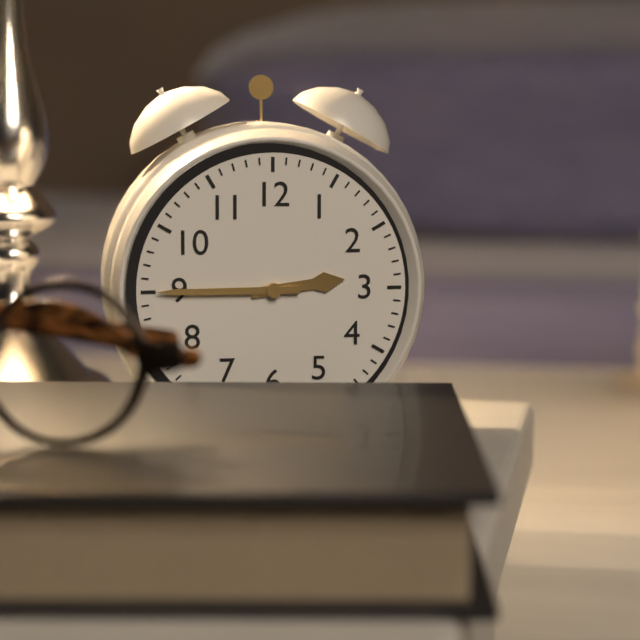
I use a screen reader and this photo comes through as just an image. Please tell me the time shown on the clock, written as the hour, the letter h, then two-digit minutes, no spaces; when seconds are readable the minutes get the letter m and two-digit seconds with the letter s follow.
2h45
